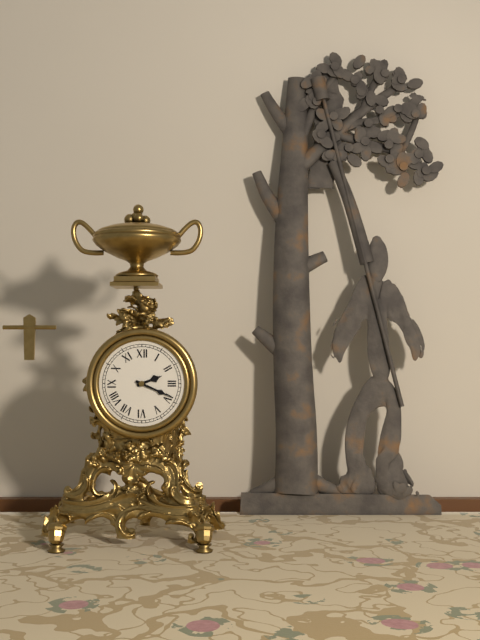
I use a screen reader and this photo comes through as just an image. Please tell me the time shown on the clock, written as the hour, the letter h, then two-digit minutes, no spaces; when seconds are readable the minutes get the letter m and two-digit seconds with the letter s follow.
2h19
